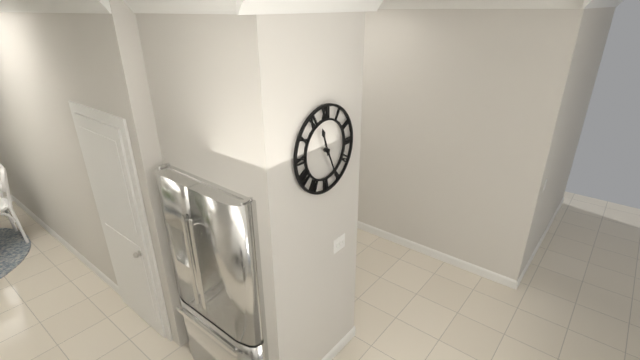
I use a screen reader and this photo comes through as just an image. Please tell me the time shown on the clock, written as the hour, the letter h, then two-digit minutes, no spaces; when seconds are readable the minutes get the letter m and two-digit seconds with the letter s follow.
11h26
